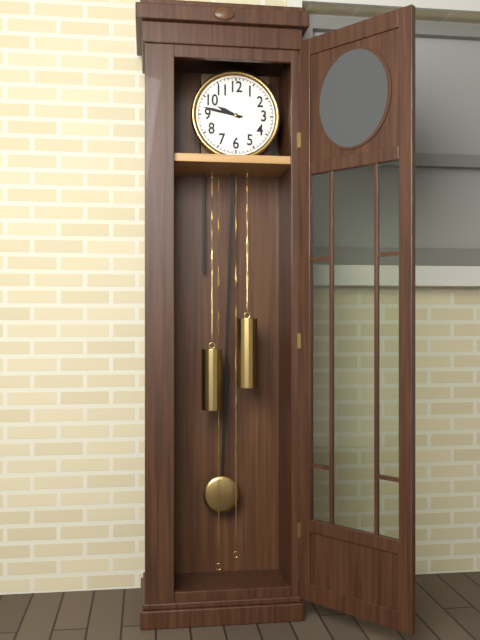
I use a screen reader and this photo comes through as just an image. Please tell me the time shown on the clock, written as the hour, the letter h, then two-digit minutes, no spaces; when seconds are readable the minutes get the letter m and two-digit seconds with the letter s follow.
9h47
